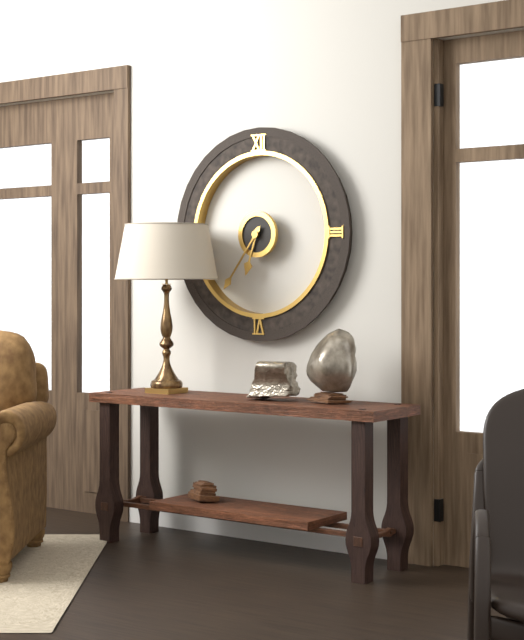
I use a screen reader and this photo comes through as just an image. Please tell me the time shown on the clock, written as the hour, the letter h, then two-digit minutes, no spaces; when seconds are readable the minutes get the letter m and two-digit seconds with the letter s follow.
6h36
